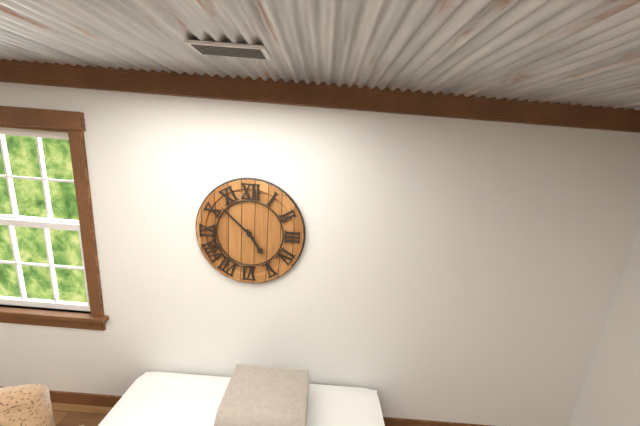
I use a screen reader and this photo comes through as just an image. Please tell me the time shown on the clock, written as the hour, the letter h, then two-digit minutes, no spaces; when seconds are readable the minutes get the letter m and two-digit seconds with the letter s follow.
4h52
